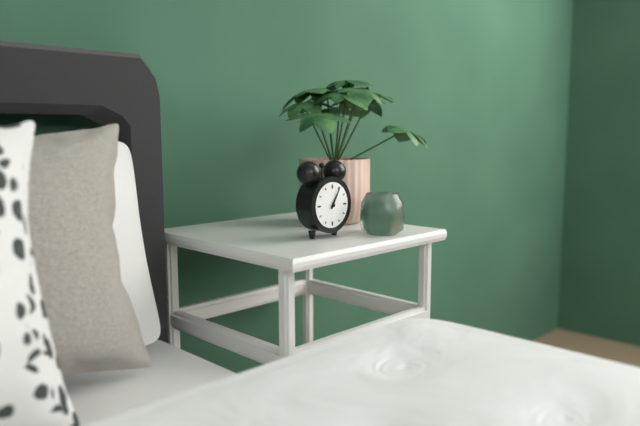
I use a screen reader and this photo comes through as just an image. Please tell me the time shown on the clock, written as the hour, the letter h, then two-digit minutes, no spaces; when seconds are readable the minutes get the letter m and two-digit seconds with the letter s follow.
1h05
